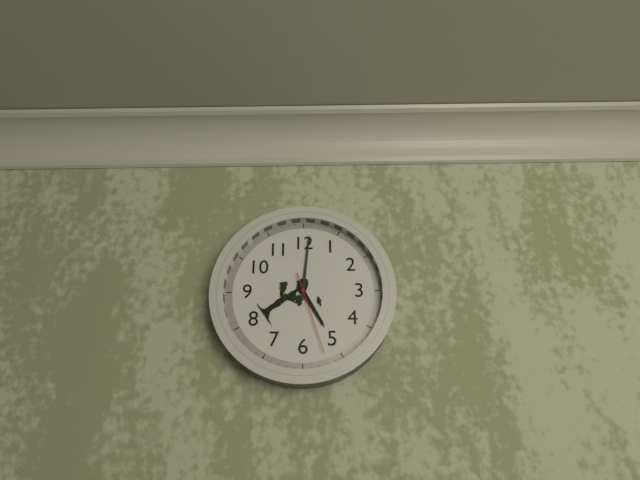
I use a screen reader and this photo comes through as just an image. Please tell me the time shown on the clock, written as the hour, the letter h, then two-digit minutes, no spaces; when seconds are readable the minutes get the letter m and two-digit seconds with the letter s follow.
5h01m27s
